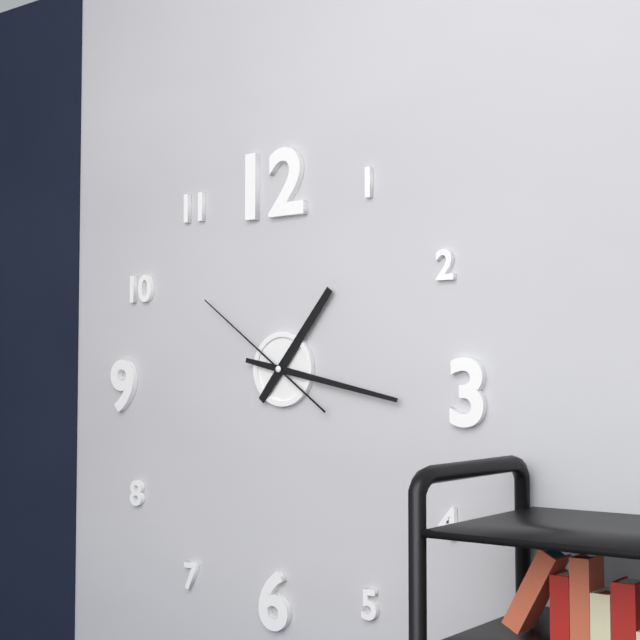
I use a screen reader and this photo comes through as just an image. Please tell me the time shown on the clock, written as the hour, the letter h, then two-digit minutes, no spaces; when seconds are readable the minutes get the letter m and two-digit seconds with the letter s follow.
1h17m51s
